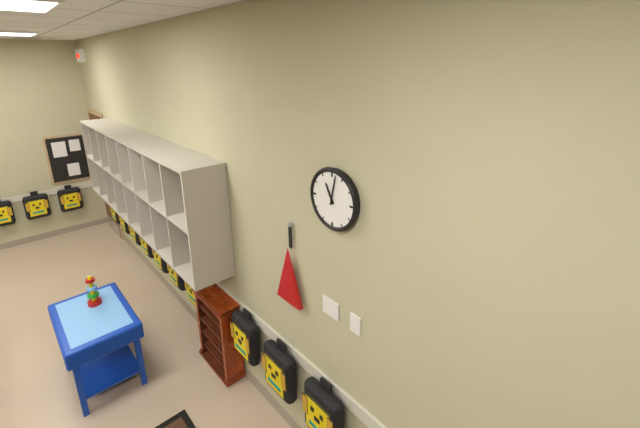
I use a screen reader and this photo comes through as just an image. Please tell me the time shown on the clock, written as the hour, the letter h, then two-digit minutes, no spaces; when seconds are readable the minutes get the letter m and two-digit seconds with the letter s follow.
11h02
